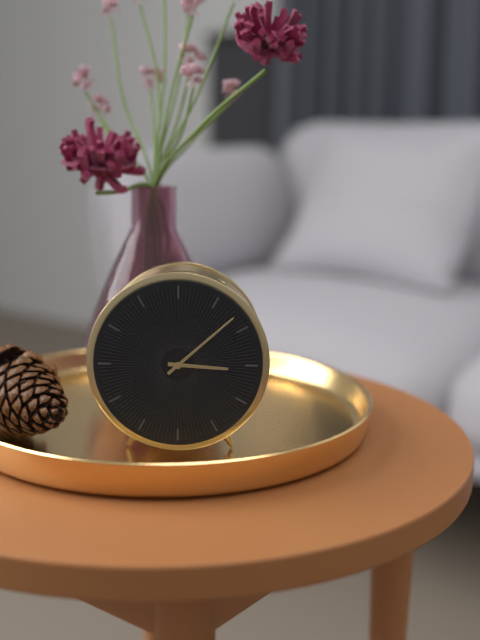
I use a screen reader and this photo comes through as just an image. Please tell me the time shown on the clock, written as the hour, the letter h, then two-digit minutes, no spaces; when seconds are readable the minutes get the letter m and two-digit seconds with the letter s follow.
3h08
